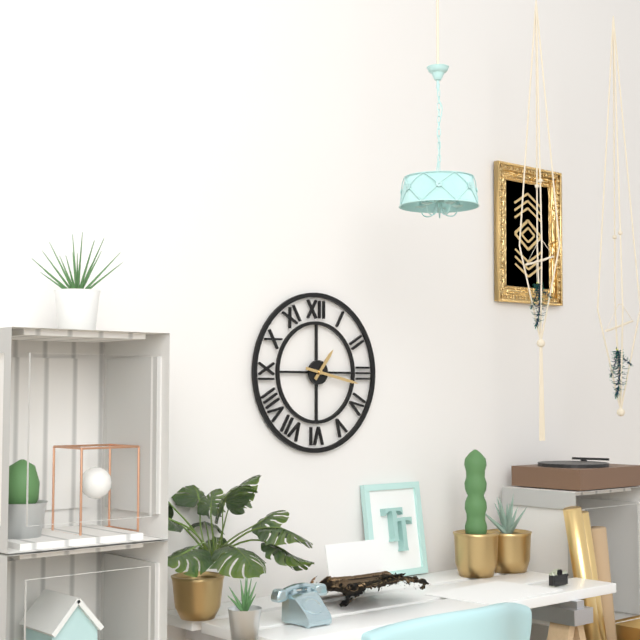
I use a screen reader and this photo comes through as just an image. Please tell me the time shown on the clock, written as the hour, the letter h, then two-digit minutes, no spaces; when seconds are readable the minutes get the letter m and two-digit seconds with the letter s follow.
1h17
